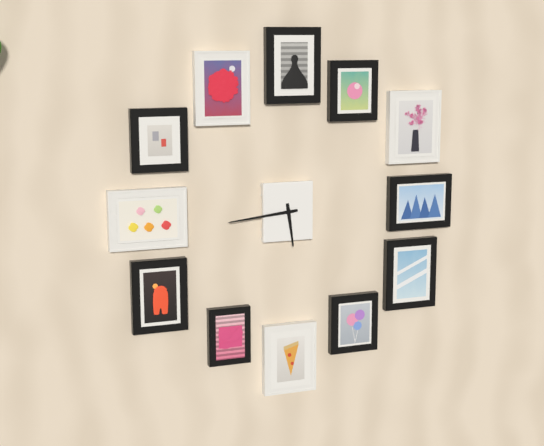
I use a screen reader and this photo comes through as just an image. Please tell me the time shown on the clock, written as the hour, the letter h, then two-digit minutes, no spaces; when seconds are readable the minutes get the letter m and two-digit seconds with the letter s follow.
5h44
